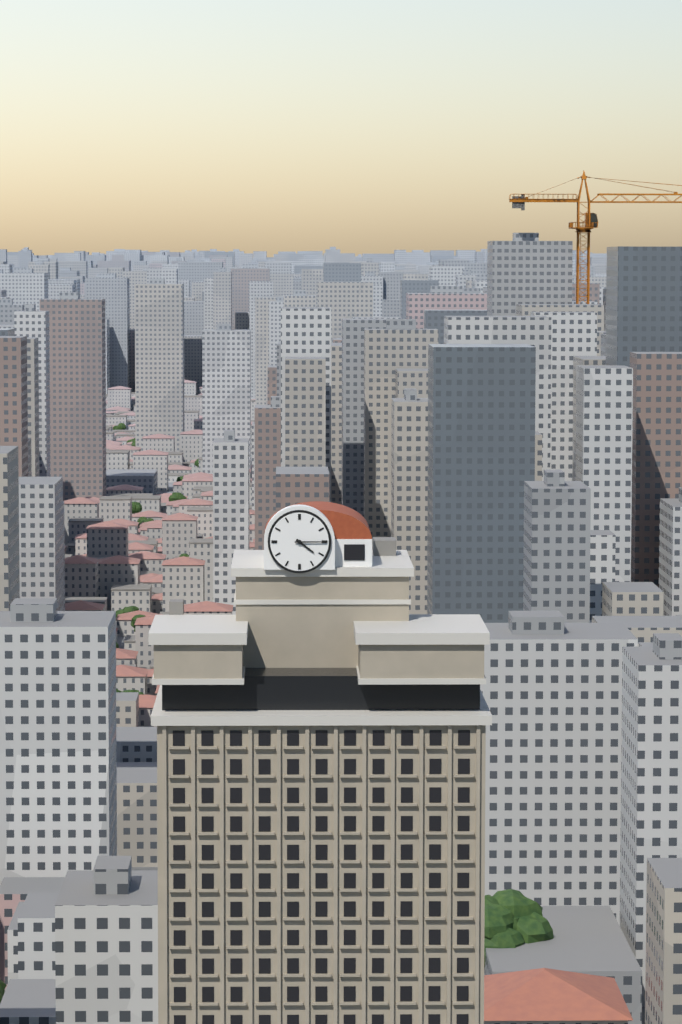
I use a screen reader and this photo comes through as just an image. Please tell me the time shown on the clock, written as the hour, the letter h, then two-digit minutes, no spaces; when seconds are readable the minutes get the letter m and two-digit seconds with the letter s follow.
4h15
